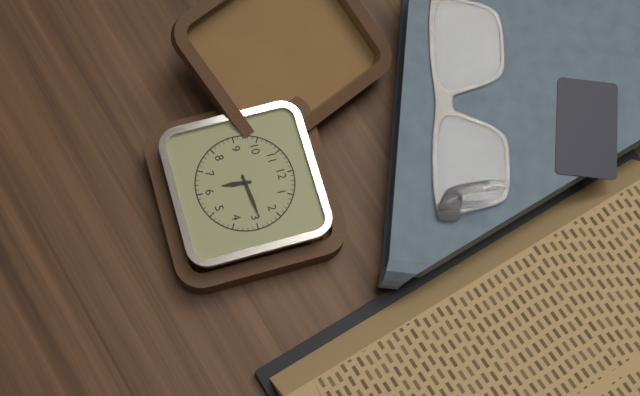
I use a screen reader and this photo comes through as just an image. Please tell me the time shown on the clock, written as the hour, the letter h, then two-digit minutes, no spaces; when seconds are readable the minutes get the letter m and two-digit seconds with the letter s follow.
6h14
